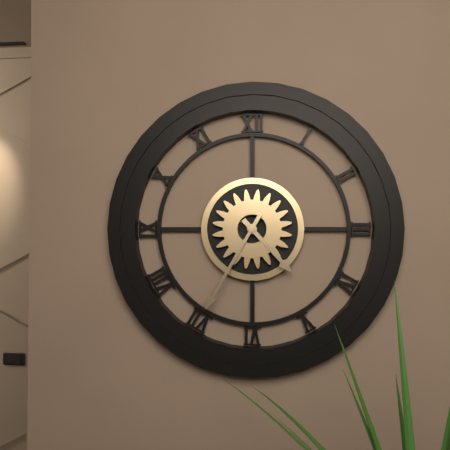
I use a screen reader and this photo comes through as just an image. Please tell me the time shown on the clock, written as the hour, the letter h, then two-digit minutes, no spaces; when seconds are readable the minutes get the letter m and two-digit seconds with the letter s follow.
4h35
